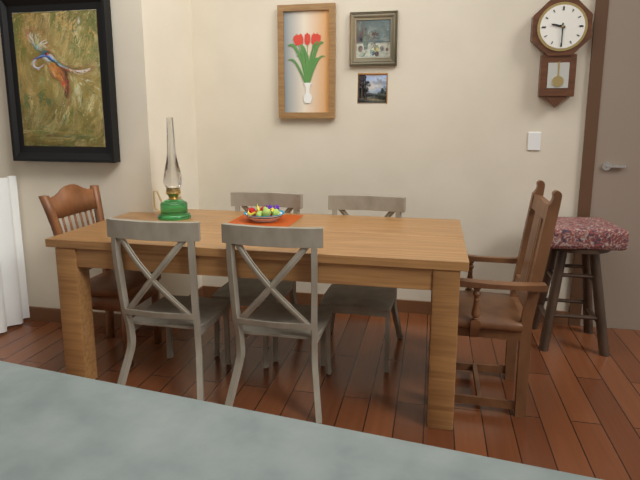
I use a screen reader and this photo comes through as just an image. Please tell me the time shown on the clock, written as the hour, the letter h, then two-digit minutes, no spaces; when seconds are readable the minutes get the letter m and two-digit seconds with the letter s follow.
9h30
